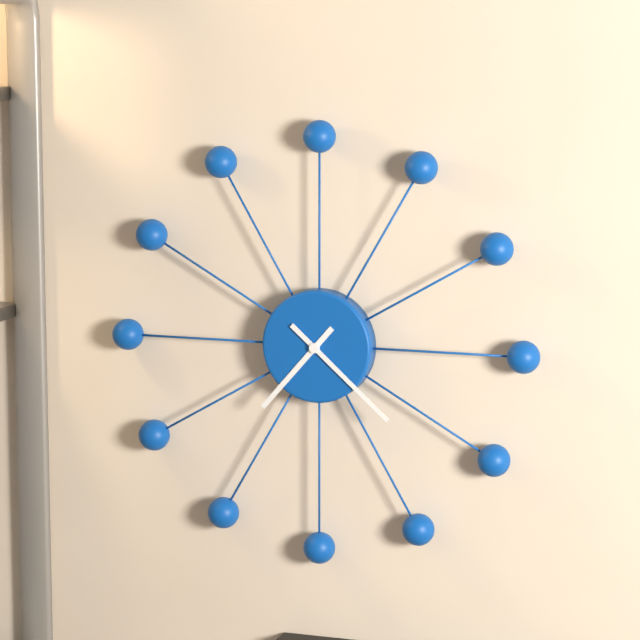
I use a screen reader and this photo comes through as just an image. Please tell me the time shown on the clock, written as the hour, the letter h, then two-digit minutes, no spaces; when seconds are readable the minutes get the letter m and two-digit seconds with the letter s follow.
7h22
